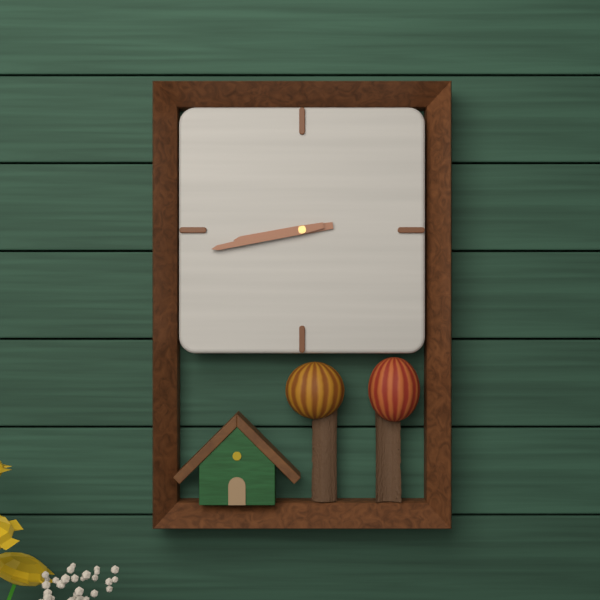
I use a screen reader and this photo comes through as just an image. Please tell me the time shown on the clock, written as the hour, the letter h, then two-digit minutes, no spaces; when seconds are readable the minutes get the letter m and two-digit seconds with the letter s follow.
8h43
